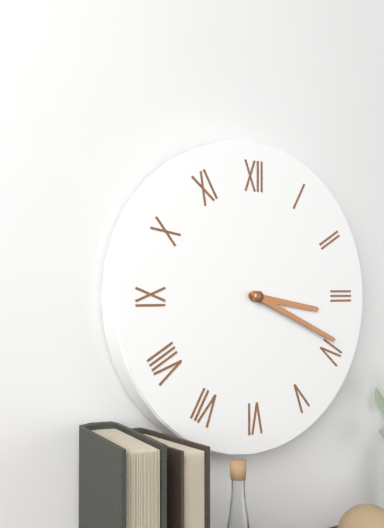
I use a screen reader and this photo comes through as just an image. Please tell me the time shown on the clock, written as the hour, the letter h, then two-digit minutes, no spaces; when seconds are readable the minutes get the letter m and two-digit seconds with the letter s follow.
3h19
